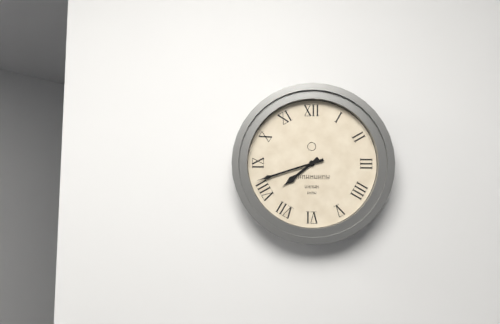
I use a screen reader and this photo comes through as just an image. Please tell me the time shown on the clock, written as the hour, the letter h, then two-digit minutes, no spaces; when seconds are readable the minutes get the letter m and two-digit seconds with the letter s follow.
7h42
